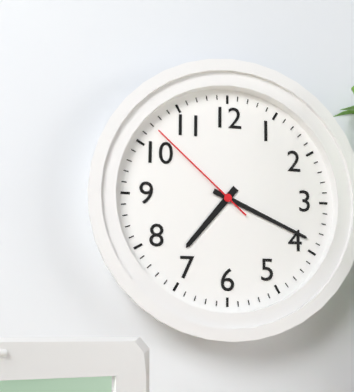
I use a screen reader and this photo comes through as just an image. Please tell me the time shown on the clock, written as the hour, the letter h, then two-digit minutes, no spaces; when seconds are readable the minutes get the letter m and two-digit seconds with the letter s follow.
7h19m52s
